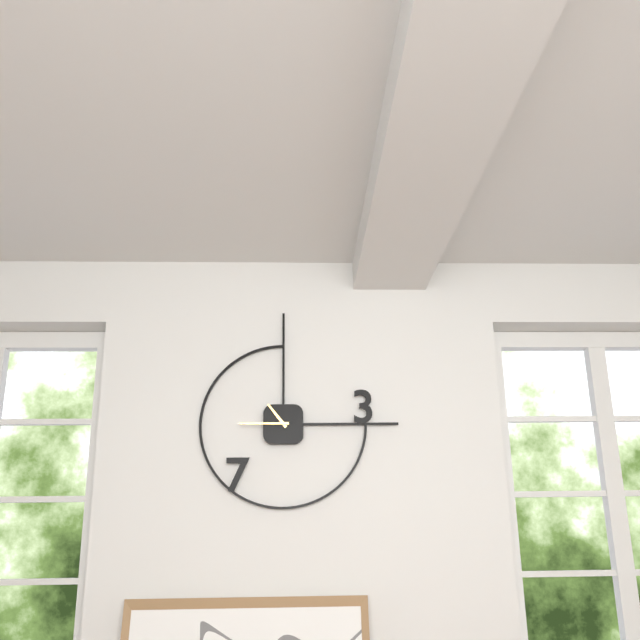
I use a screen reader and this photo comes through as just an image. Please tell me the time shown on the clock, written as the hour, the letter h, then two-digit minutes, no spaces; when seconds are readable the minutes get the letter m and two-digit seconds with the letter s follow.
10h45
